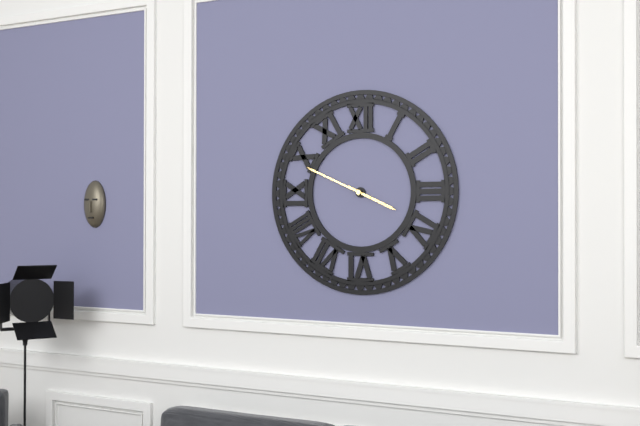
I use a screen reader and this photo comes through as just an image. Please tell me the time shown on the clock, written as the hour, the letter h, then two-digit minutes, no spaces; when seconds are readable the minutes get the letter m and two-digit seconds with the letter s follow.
3h49
